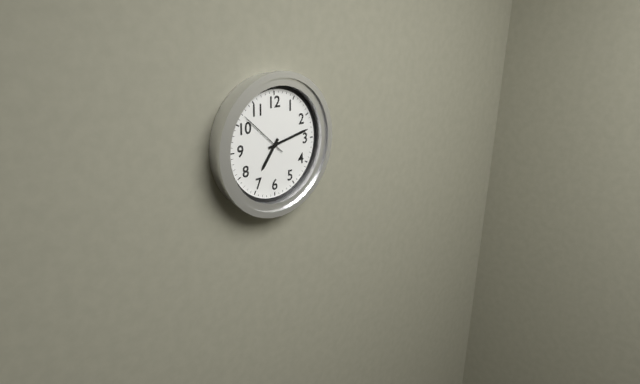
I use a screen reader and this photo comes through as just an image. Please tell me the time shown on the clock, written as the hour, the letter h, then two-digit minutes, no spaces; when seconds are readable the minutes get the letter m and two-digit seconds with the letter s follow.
7h13m52s
